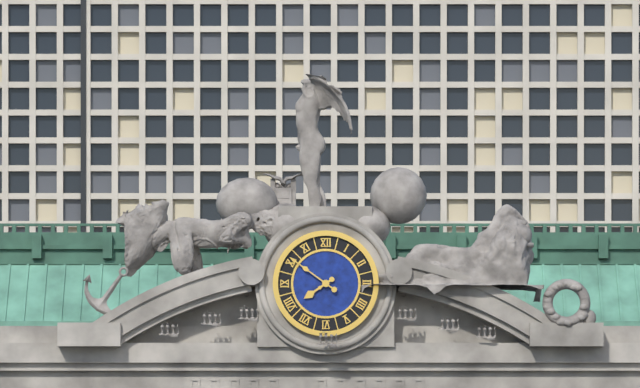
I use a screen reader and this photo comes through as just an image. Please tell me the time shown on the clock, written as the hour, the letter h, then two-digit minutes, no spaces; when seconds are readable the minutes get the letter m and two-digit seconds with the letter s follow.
7h51
